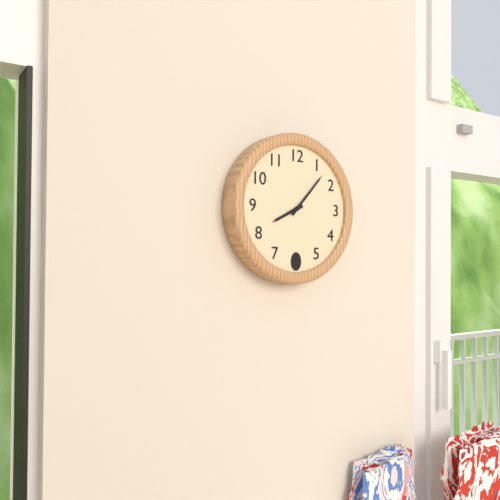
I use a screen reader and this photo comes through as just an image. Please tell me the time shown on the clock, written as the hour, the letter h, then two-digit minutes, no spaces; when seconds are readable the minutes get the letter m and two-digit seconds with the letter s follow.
8h07
